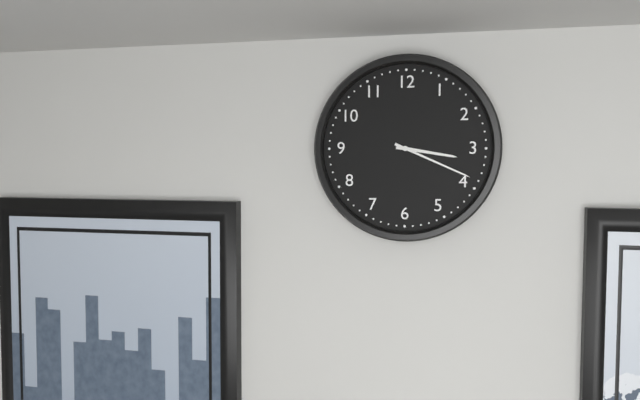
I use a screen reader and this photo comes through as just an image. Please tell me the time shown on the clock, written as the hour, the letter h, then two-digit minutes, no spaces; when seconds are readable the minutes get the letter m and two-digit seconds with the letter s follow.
3h19
